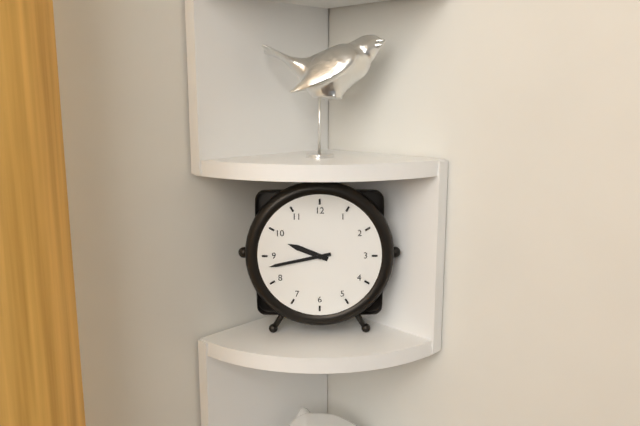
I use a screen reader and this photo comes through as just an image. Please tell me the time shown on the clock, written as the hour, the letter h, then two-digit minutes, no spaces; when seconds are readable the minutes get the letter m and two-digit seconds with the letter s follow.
9h43
